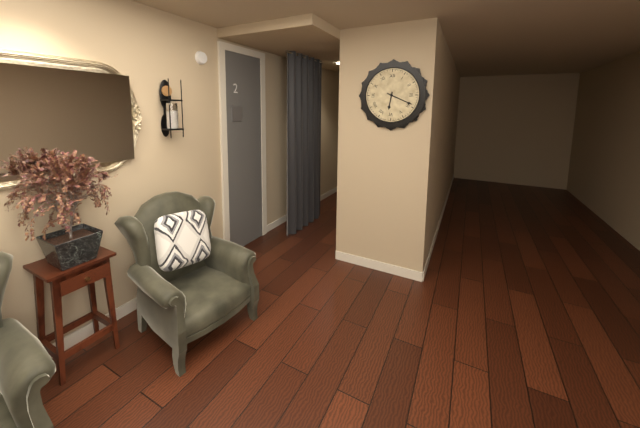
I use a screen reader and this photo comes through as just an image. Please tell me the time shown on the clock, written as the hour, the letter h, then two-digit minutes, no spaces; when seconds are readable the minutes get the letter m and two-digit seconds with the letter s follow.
6h19
